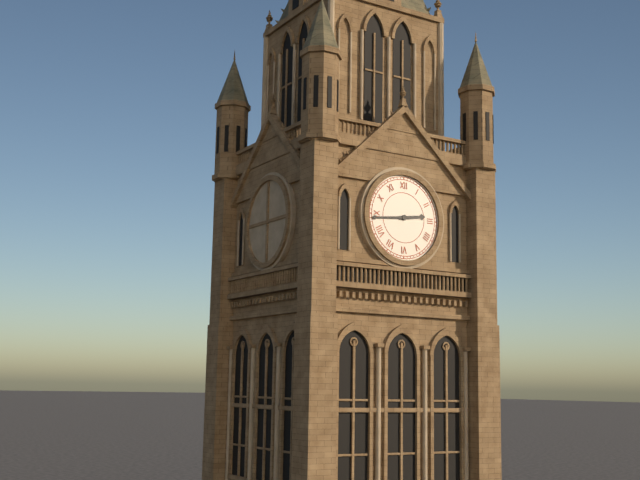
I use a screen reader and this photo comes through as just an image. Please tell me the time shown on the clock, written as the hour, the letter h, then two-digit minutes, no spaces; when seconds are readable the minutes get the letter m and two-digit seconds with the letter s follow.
2h44
